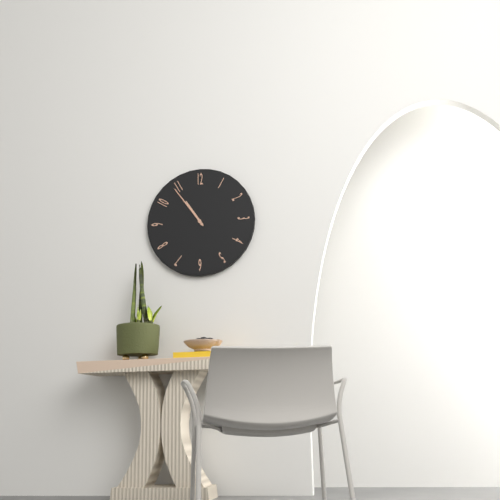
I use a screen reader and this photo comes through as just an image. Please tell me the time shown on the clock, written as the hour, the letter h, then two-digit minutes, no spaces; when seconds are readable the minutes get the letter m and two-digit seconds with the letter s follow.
10h54
